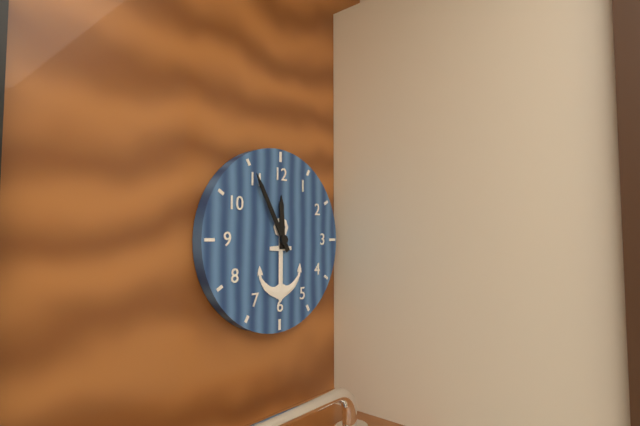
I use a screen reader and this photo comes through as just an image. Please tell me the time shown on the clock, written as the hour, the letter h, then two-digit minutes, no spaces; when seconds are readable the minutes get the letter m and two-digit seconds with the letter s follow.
11h55
